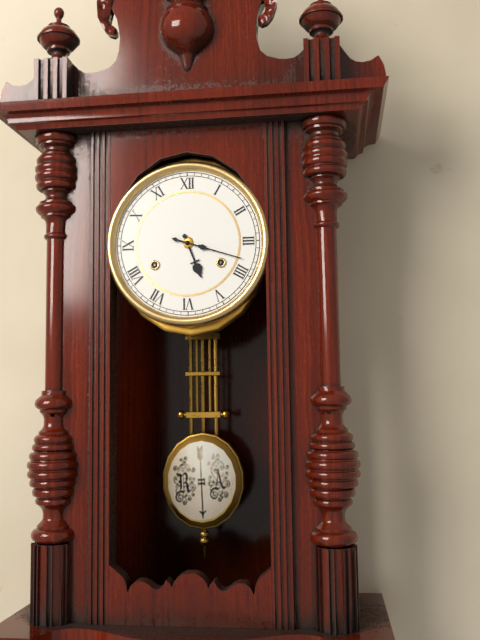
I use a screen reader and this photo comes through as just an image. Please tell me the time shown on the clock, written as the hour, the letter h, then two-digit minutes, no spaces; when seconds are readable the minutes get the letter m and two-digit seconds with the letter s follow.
5h18
